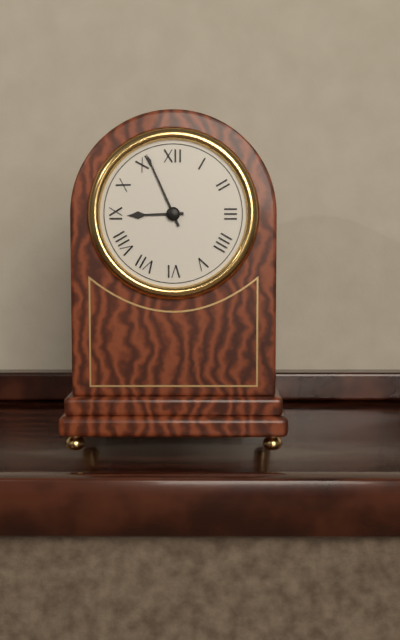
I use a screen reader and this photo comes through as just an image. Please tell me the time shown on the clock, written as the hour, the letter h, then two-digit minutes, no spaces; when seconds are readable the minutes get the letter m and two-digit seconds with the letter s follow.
8h56
